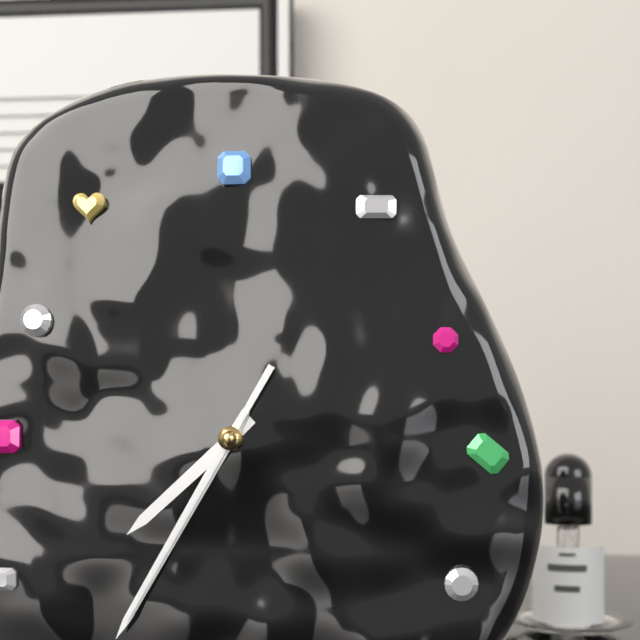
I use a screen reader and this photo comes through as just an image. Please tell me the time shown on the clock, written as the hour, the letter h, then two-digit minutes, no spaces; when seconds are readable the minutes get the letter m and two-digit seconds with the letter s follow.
7h35m35s
